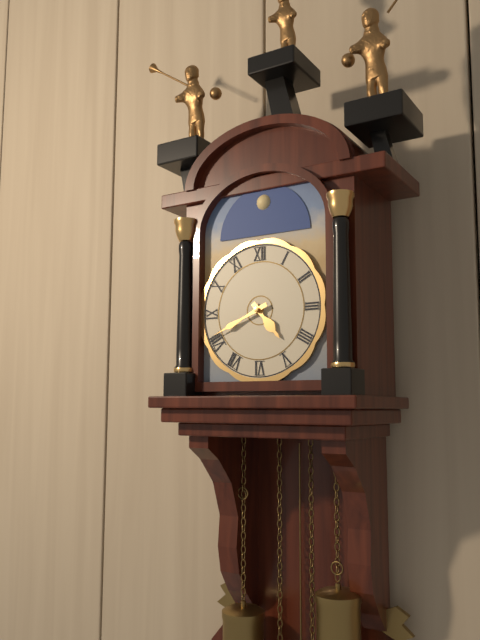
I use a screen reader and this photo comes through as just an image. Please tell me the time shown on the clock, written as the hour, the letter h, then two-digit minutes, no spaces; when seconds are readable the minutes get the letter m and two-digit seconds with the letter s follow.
4h41
